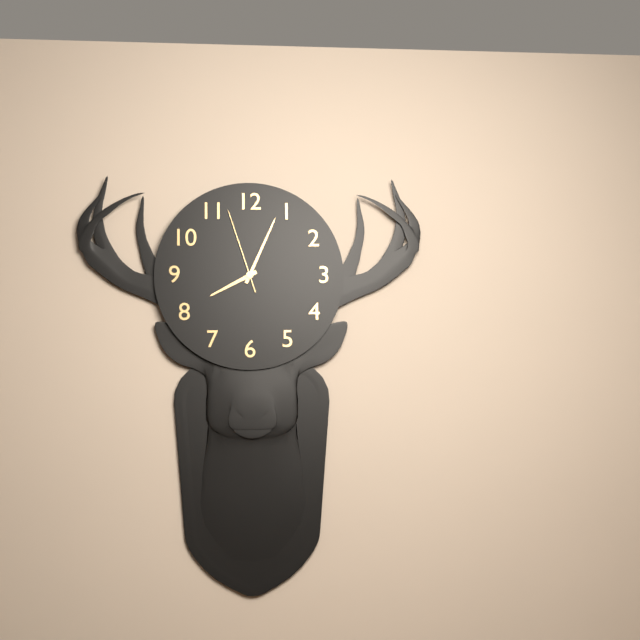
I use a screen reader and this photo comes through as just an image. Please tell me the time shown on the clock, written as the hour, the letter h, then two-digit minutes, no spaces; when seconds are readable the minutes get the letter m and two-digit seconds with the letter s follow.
8h04m57s
